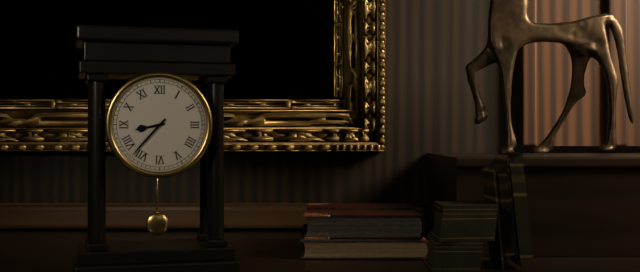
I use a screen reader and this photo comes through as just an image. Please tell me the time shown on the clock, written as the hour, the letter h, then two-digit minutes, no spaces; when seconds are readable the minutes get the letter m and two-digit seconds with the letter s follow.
8h37
